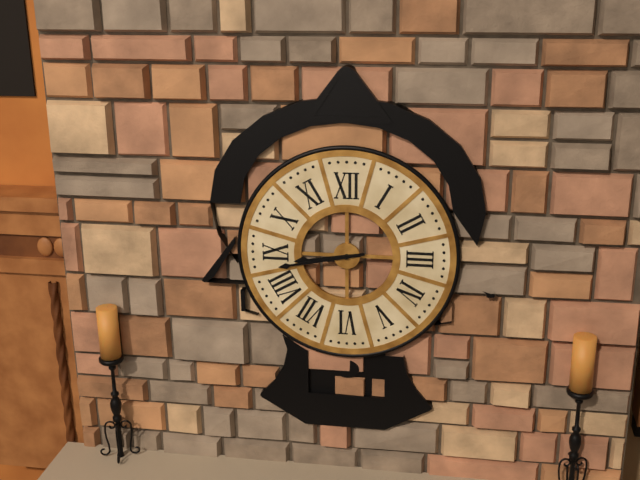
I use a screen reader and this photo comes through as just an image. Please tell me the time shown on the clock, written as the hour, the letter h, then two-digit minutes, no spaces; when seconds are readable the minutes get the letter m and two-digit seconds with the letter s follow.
8h43
